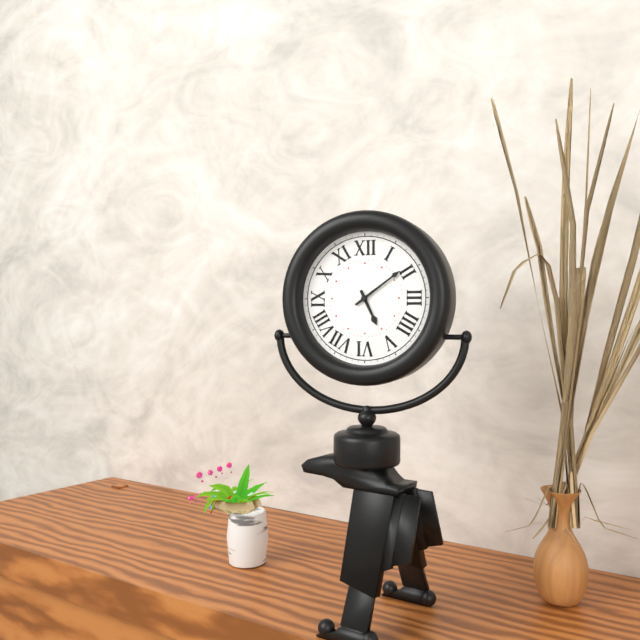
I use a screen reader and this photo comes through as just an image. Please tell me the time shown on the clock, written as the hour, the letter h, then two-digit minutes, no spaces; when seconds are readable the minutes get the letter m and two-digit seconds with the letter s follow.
5h09
